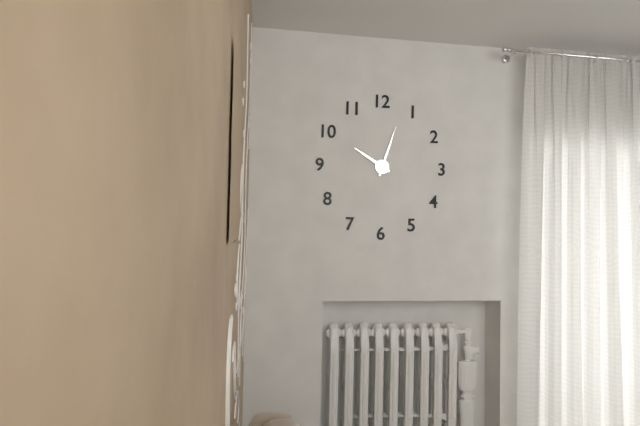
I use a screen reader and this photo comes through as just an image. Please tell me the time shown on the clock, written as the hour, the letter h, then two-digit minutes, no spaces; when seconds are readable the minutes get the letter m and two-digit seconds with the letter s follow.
10h03
